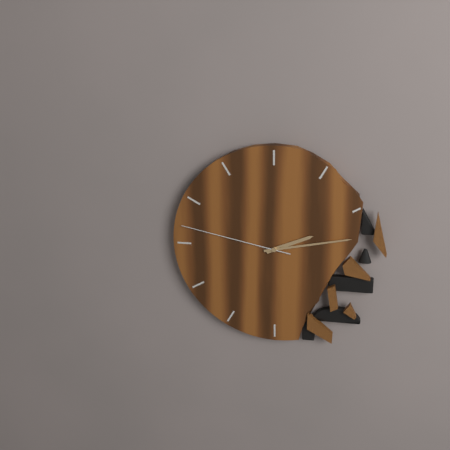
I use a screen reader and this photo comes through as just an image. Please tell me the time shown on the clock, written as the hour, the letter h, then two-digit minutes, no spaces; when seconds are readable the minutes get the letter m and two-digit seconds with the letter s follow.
2h13m47s
